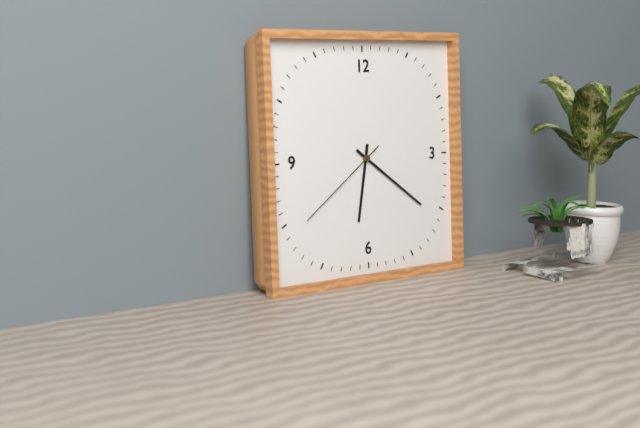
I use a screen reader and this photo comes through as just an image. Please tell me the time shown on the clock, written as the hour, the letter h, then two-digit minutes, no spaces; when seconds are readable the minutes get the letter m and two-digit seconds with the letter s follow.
6h21m39s
